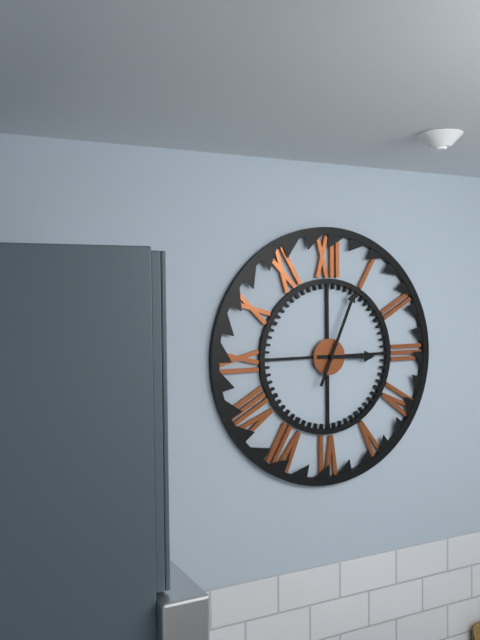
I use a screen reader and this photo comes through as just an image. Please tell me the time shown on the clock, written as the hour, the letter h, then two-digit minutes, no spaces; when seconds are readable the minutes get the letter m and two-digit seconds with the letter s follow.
3h04
